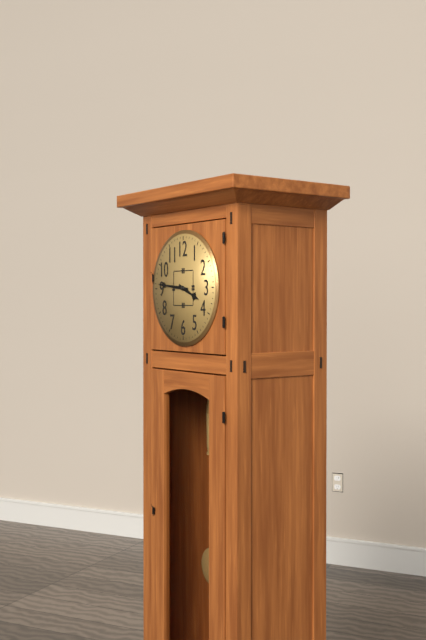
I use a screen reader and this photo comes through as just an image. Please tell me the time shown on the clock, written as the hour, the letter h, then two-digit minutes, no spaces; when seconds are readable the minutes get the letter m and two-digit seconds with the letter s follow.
3h46
